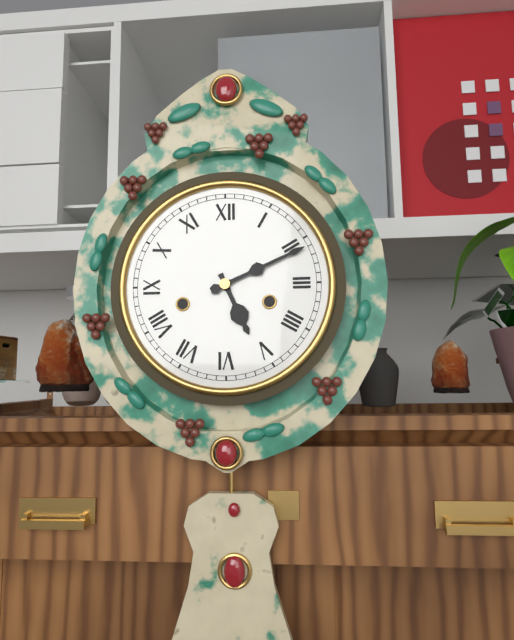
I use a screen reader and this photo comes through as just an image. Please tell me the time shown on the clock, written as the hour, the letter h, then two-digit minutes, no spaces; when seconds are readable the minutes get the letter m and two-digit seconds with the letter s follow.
5h11
